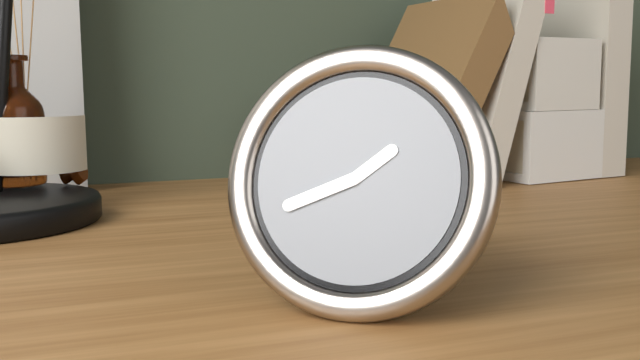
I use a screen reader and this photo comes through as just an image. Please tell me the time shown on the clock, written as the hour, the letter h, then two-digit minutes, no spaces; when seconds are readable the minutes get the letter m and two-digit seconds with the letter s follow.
1h41
